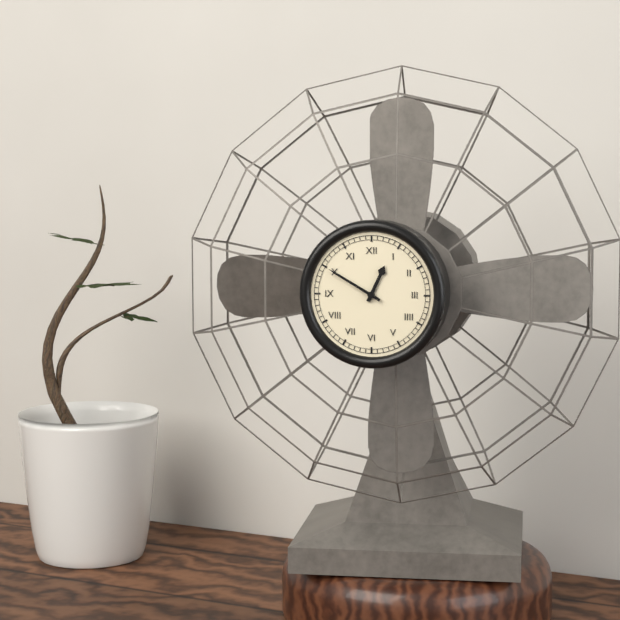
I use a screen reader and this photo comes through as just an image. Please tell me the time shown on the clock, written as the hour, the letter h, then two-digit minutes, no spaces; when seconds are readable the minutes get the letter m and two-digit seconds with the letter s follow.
12h50
